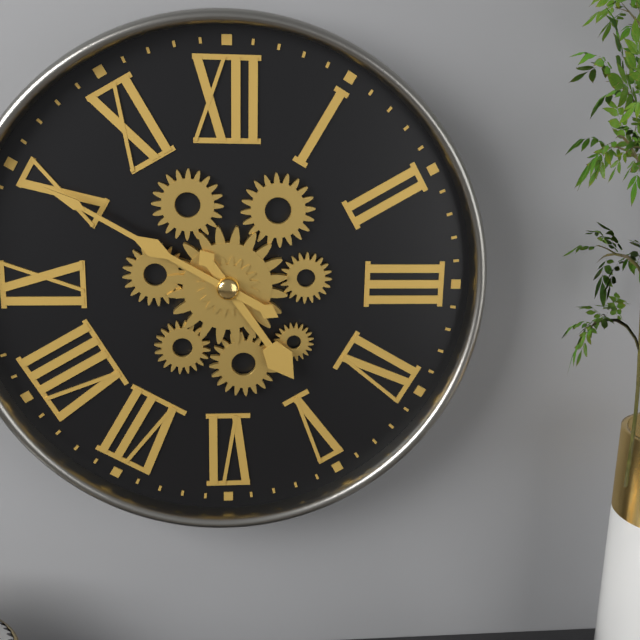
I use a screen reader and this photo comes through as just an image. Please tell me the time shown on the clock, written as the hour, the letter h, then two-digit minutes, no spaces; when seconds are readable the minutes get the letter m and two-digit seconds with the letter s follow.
4h50
